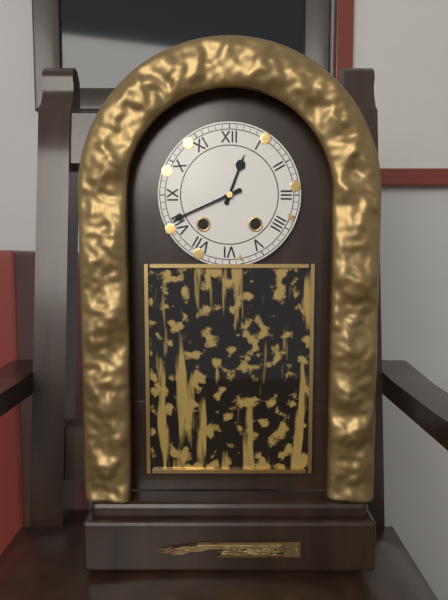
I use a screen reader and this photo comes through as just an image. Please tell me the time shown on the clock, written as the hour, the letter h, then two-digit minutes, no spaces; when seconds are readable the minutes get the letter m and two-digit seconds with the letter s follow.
12h41
